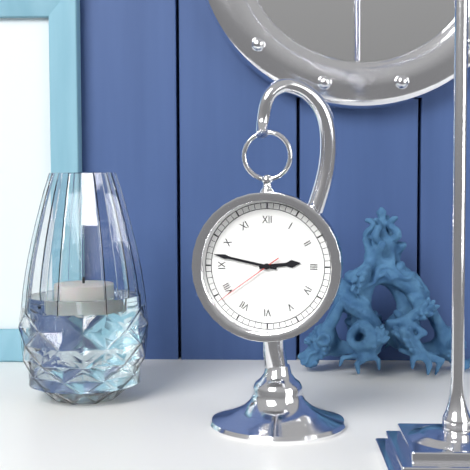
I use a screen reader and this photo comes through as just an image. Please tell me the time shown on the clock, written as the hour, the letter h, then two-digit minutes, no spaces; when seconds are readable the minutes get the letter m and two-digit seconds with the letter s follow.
2h47m39s
